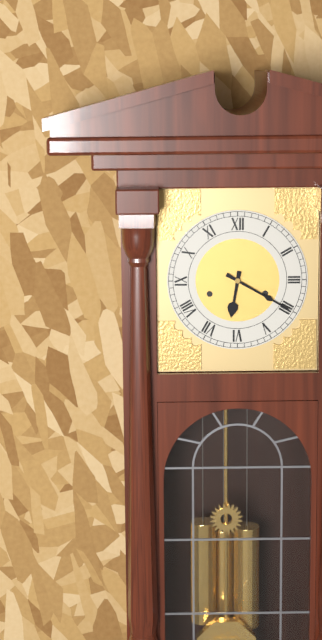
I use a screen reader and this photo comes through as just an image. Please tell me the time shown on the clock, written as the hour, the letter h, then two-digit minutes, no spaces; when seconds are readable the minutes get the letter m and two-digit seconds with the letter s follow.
6h20
